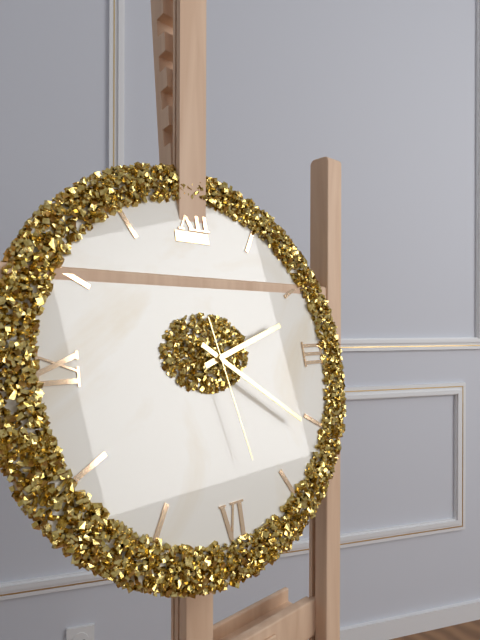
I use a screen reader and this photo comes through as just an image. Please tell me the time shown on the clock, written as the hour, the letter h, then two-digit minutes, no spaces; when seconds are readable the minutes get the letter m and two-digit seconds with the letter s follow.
2h21m28s
